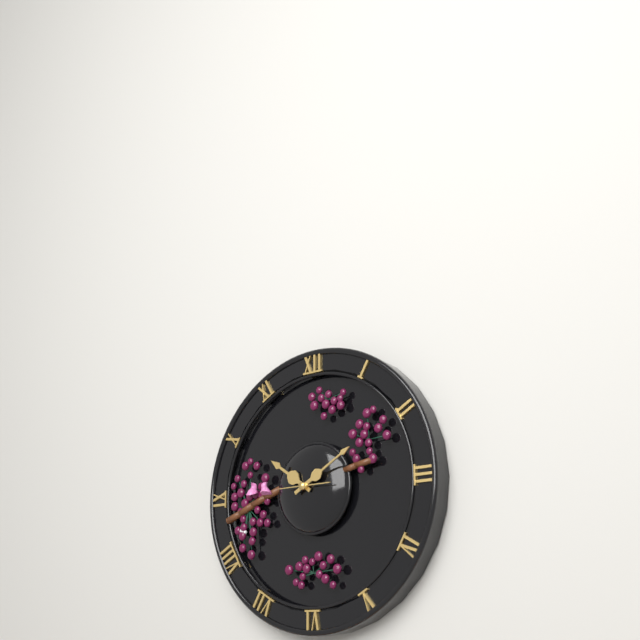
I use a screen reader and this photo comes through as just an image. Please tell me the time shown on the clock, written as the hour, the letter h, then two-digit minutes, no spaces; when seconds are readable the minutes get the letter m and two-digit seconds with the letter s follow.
10h10
